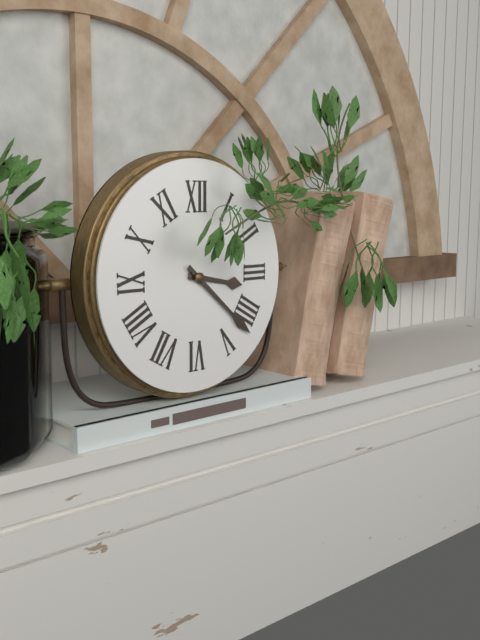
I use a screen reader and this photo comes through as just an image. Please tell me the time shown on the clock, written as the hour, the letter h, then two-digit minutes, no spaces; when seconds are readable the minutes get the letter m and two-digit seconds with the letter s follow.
3h22
